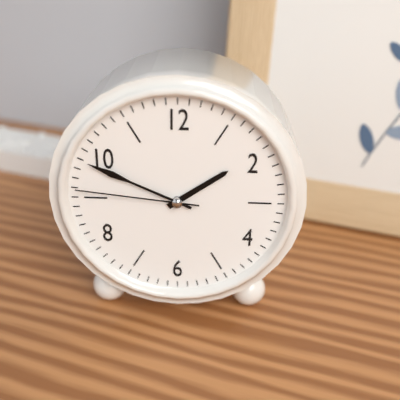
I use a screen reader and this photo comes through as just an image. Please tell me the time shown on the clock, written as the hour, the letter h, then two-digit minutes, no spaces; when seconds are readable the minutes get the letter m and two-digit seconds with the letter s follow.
1h49m46s
